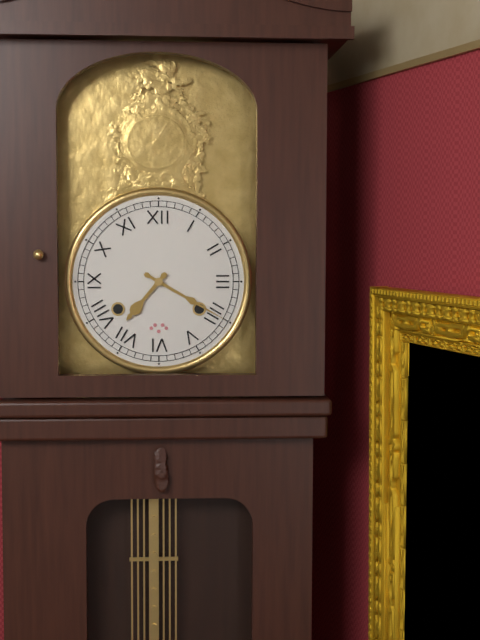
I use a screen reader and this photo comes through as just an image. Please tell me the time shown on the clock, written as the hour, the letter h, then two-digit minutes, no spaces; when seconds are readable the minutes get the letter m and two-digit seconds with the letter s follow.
7h20
